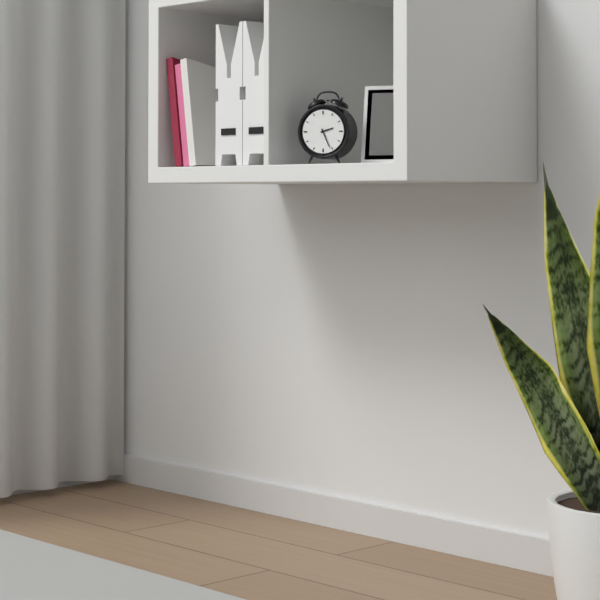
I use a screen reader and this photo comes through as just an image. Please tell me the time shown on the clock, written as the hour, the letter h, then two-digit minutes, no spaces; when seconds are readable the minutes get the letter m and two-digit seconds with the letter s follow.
2h26
